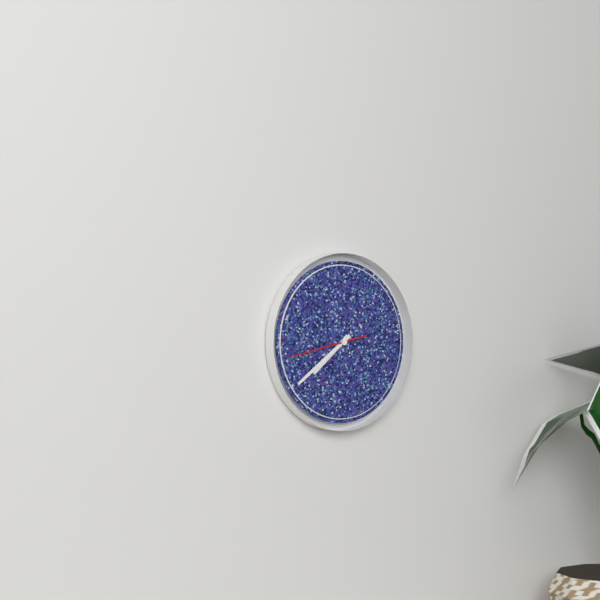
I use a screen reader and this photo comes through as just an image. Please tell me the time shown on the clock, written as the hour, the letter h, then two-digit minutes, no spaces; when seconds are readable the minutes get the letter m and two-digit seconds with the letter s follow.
7h39m43s
